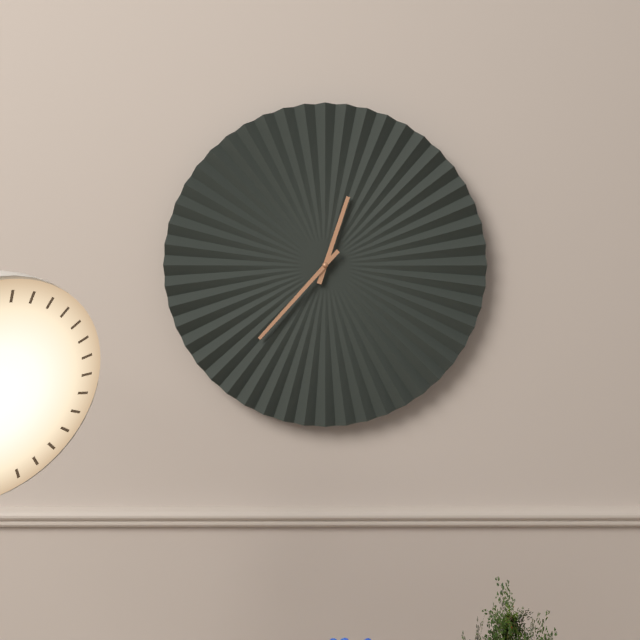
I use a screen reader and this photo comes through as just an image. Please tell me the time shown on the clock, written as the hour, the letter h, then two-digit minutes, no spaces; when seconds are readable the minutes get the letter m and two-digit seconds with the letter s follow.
12h37
